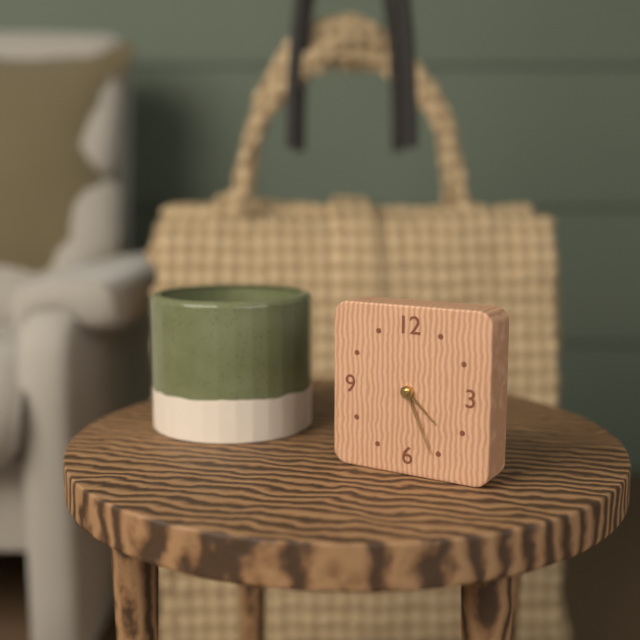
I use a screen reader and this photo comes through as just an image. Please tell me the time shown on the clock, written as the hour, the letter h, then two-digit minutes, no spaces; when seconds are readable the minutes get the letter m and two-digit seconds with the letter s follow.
4h26
